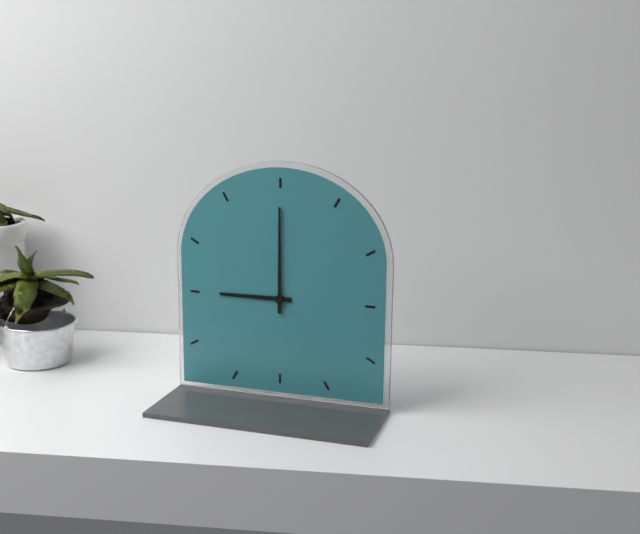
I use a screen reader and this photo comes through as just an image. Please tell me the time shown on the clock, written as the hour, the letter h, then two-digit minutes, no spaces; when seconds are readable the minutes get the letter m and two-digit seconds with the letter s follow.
9h00
